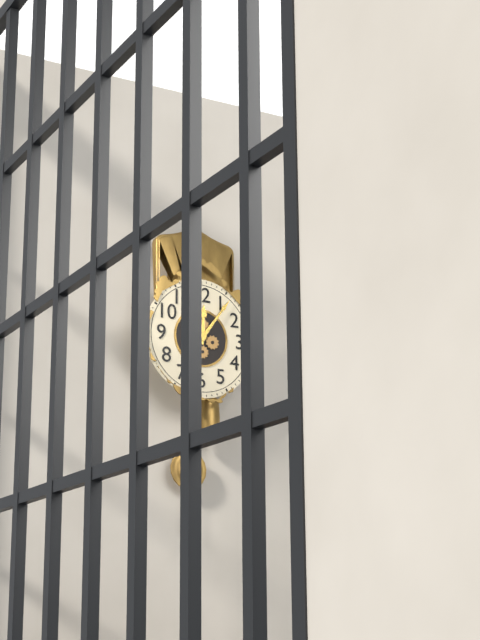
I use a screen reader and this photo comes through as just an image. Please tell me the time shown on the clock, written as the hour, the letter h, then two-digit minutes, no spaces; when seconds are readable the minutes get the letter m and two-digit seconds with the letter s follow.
12h06
